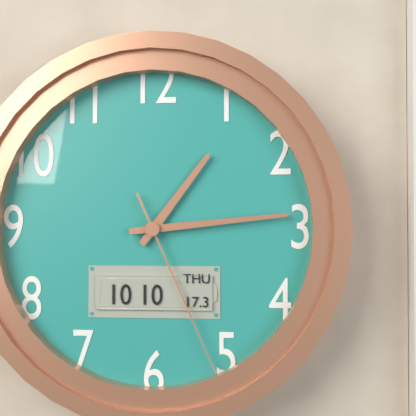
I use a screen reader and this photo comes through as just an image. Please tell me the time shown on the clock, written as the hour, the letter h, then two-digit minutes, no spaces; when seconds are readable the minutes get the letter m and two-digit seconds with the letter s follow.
1h14m26s
